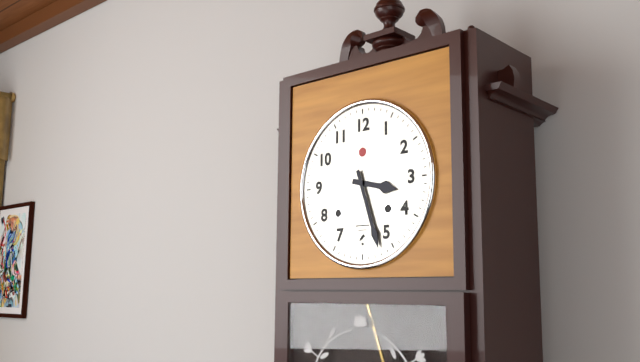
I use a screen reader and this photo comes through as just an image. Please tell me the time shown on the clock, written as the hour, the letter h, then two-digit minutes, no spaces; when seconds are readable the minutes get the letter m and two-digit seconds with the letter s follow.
3h27
